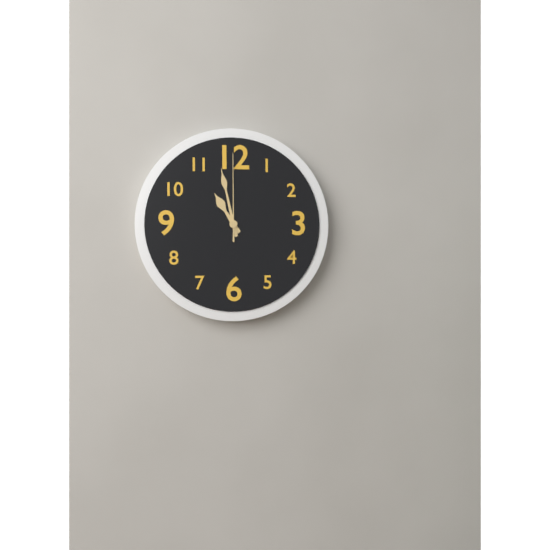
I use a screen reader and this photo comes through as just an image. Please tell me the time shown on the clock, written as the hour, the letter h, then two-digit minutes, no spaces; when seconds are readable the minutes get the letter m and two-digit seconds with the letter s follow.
10h58m00s
